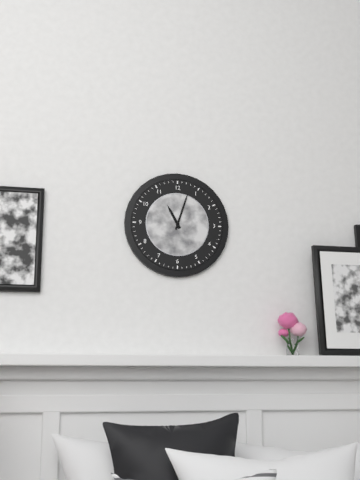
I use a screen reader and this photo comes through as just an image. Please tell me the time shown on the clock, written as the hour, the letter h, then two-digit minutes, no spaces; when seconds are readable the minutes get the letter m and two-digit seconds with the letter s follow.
11h03
